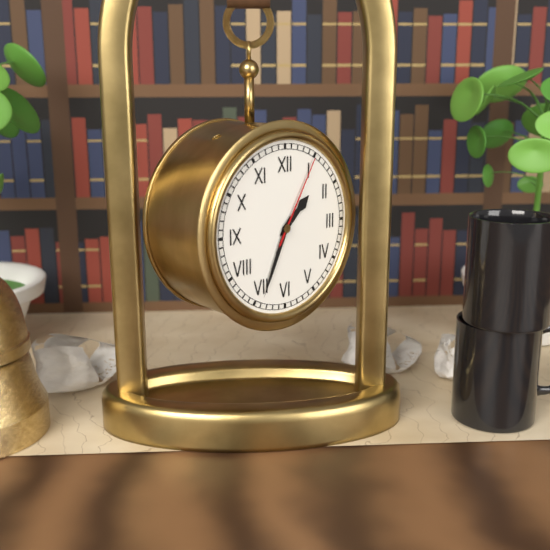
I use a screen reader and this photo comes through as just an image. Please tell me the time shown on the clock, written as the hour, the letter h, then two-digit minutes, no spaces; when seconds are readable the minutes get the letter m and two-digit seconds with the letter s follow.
1h34m05s
